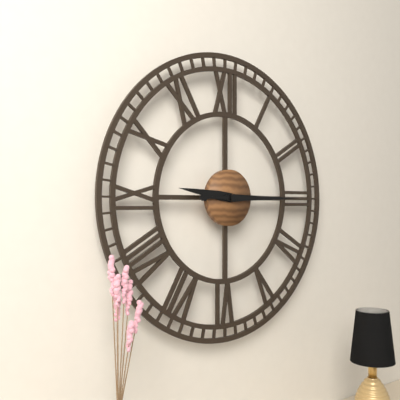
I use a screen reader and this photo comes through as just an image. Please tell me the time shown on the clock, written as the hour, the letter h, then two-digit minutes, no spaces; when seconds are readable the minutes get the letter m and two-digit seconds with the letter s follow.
9h15
